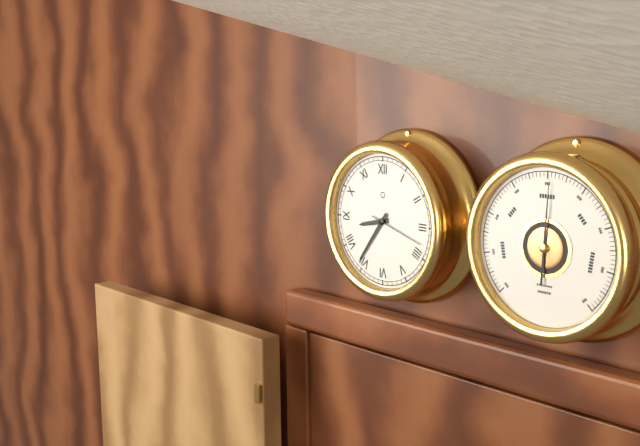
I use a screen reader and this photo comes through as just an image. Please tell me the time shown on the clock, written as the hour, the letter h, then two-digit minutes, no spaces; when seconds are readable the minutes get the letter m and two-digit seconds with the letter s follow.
8h36m18s
